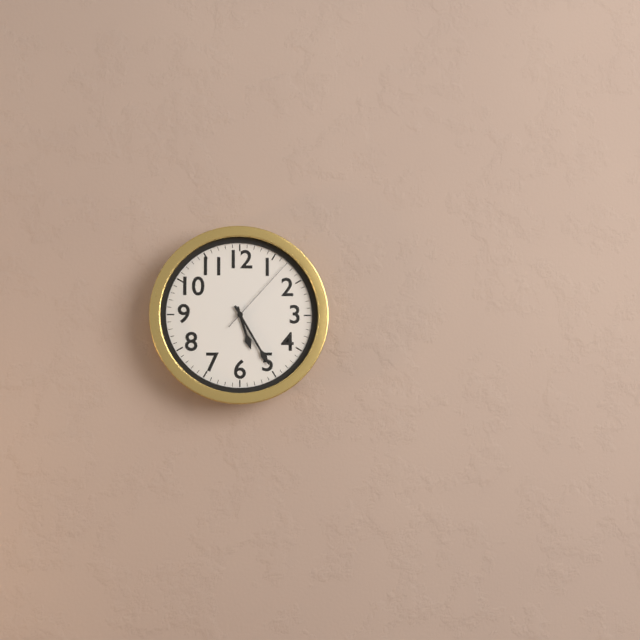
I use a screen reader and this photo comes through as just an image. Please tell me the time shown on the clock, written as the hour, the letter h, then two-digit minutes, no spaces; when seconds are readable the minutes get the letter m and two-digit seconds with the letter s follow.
5h25m07s
